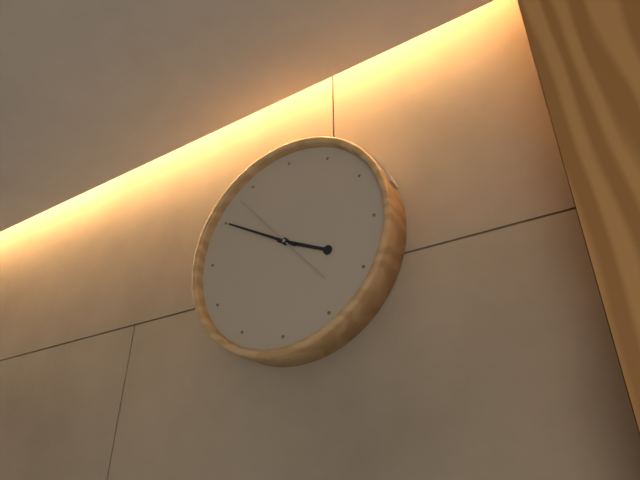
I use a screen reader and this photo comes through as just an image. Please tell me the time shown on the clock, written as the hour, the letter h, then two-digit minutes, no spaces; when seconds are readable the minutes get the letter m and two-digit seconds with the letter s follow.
3h50m53s
